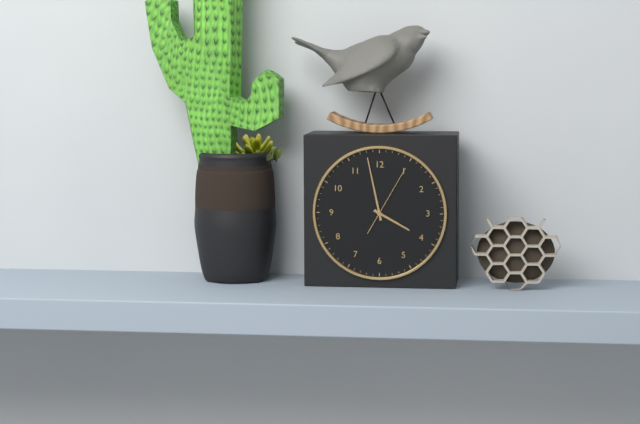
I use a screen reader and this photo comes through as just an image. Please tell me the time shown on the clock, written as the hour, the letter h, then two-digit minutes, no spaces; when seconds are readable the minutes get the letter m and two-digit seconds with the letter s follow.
3h58m05s
